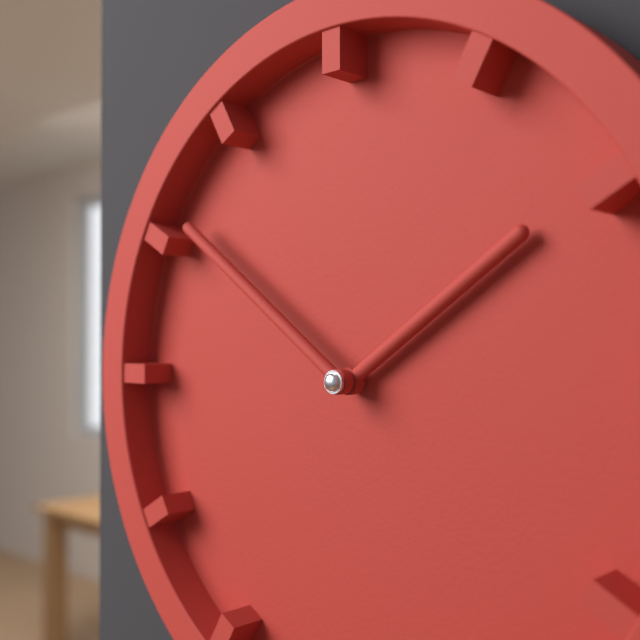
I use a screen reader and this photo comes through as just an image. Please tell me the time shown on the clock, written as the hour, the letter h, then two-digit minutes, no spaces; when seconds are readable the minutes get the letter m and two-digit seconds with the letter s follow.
1h51
